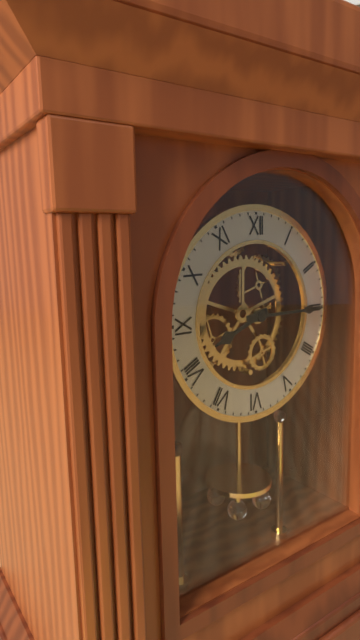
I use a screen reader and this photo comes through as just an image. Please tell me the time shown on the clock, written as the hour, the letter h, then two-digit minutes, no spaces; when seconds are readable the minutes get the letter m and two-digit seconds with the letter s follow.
8h15
